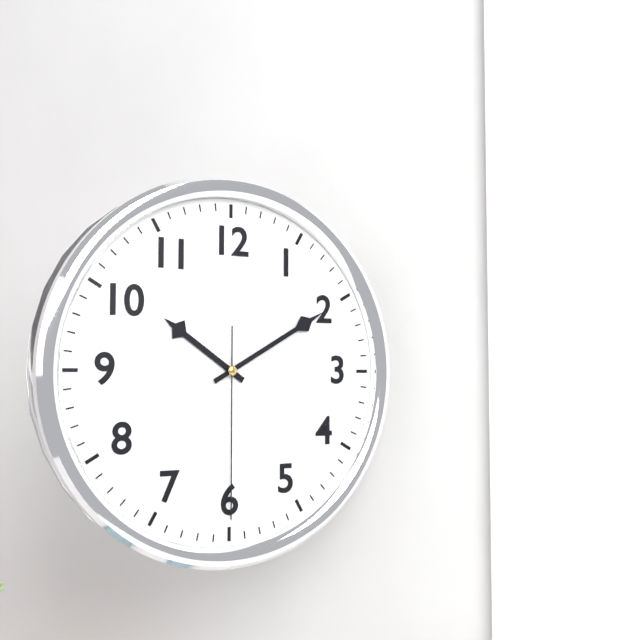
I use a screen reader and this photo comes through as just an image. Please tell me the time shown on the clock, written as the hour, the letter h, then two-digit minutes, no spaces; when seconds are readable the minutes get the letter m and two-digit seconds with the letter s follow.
10h10m30s
